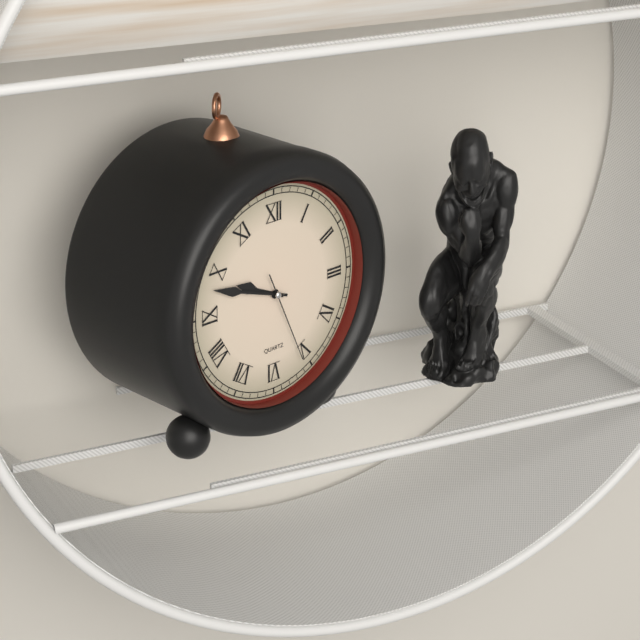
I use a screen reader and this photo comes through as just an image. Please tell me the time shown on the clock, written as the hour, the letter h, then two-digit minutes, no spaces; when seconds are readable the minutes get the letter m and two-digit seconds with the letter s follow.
9h48m26s
